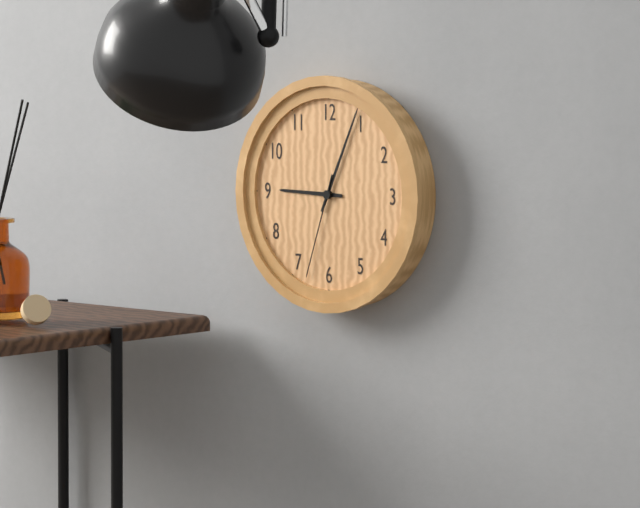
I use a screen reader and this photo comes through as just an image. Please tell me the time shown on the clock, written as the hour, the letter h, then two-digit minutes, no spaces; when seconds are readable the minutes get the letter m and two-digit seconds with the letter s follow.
9h04m33s
